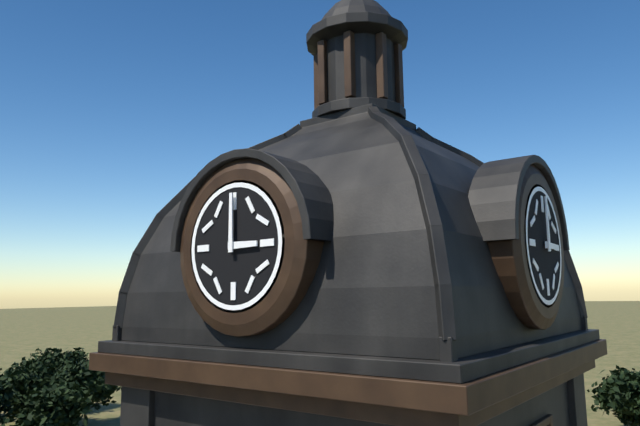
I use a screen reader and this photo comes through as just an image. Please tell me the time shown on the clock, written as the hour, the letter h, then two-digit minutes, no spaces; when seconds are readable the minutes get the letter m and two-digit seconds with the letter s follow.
3h00
